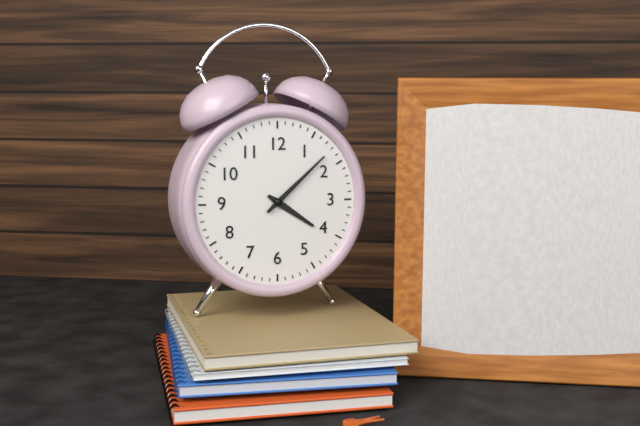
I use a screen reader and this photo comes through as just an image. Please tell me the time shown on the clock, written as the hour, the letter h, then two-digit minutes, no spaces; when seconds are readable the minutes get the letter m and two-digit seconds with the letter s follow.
4h08
